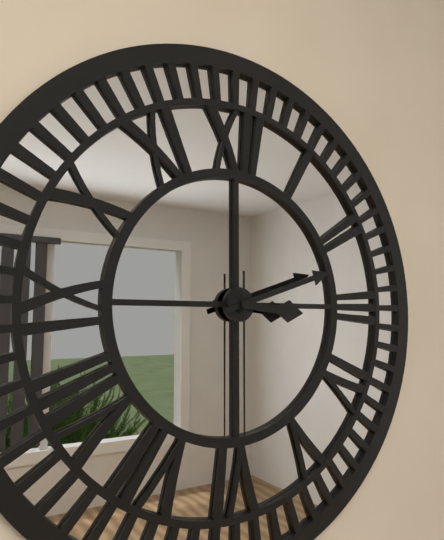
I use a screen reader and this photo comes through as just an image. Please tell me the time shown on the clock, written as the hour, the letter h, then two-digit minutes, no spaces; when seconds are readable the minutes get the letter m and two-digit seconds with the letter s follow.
3h12m30s
